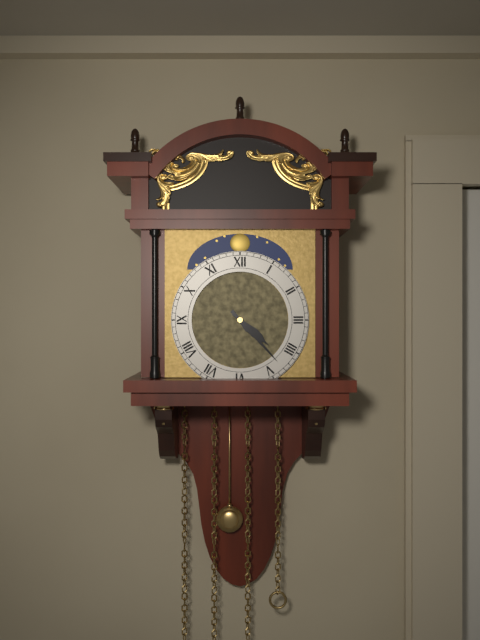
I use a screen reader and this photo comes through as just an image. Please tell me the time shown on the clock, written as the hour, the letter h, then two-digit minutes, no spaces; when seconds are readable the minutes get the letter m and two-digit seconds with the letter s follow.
4h23
